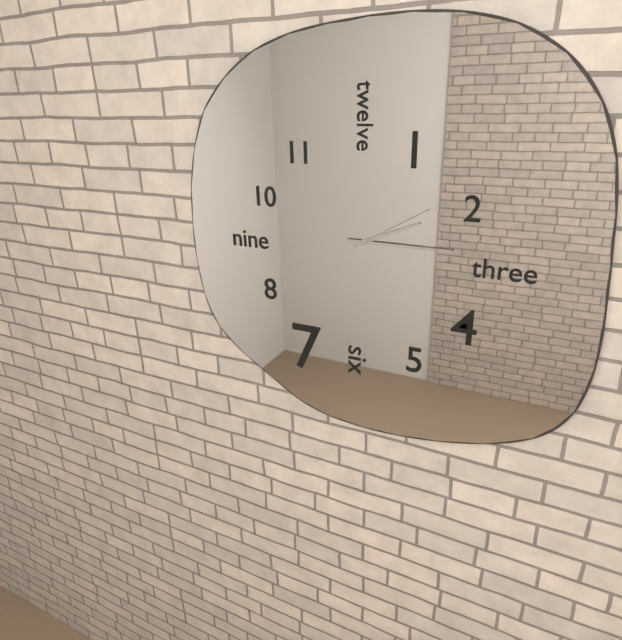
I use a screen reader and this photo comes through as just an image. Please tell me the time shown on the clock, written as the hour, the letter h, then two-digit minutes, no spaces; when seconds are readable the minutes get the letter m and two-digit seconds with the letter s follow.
2h15m10s
